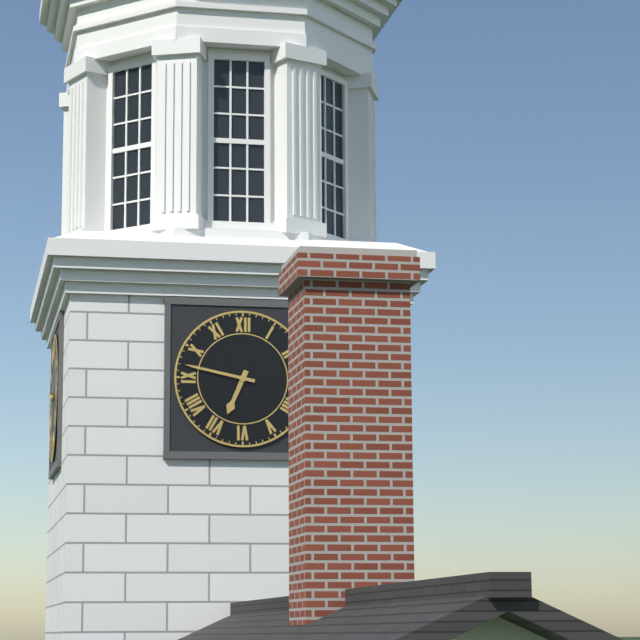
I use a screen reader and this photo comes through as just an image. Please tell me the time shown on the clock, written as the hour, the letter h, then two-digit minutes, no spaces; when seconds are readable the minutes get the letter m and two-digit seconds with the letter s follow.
6h47
